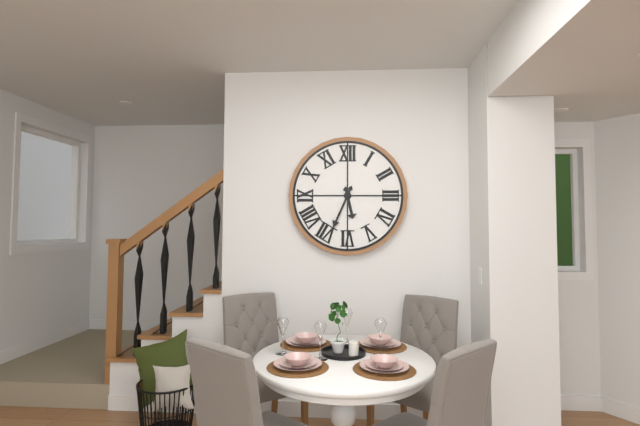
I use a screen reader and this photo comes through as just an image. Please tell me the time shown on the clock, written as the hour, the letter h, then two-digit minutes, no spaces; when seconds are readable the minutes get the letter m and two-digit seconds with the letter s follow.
5h34
